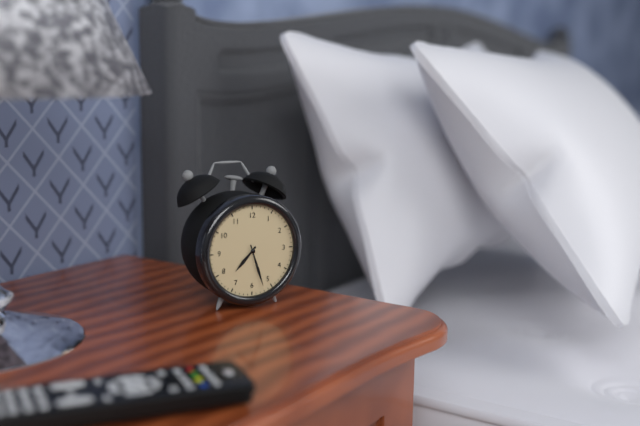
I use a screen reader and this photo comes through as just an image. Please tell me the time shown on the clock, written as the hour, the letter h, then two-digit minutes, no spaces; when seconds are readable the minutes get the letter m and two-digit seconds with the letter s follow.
7h27
